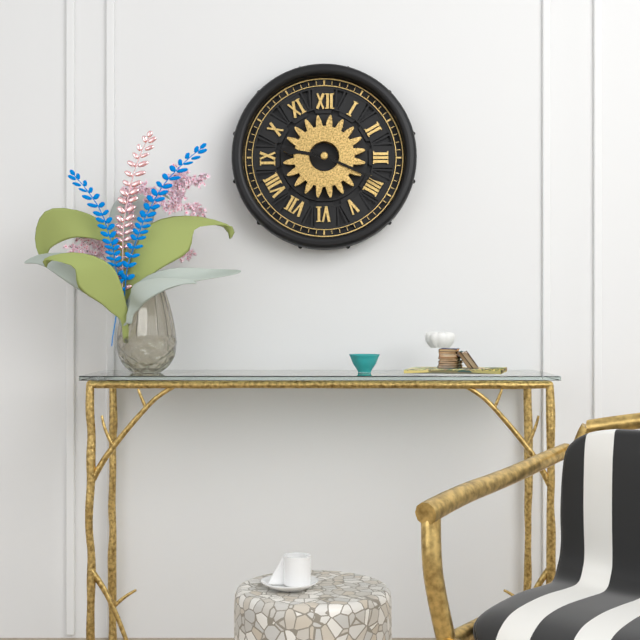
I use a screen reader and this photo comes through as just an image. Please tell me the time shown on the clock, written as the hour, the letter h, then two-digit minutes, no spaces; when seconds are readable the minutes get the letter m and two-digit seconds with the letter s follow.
9h19
